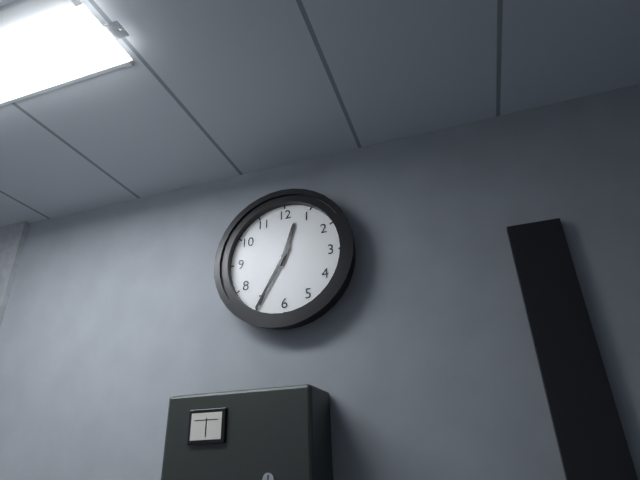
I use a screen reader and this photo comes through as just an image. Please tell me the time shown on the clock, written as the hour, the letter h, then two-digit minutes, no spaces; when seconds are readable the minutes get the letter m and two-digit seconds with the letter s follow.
12h35
